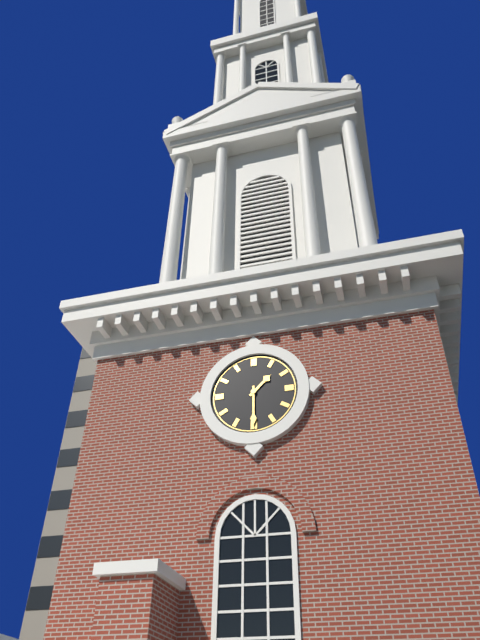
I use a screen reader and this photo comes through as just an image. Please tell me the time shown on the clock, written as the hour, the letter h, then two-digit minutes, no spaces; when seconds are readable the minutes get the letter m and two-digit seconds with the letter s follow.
1h30
